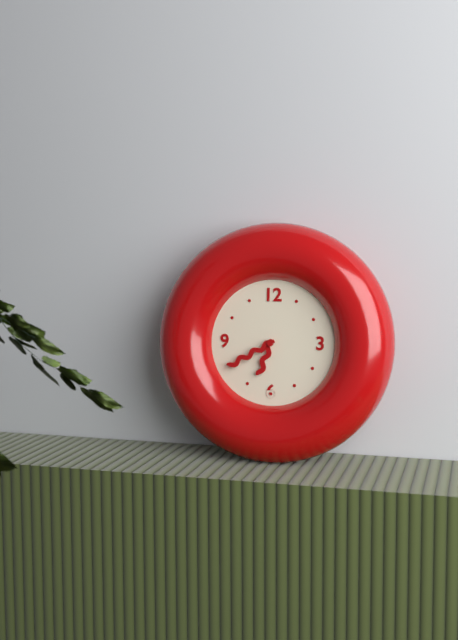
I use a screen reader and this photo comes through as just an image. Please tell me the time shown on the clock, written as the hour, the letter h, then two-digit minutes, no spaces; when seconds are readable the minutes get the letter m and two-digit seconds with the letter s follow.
6h40
